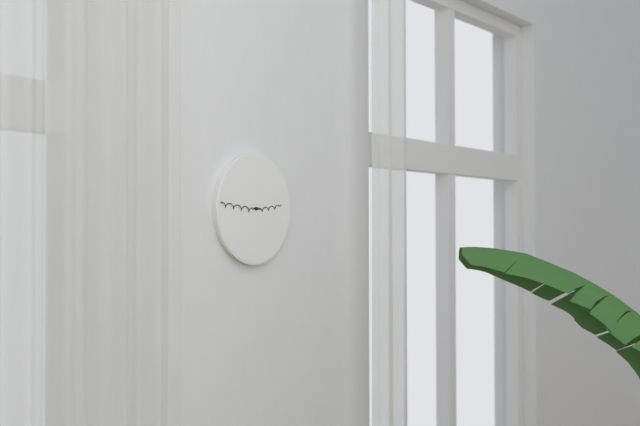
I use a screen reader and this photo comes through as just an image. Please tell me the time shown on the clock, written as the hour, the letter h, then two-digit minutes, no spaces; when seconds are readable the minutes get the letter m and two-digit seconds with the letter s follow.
2h46
